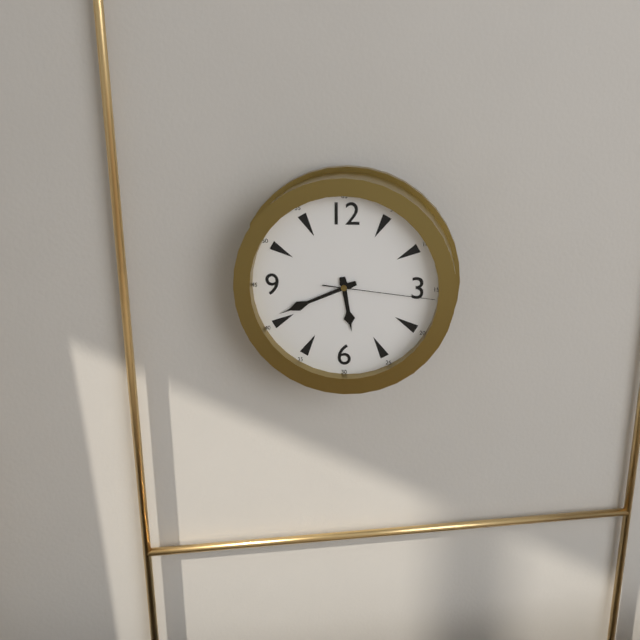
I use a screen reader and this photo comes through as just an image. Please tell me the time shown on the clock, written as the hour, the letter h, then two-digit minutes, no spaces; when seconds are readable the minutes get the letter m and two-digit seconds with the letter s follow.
5h41m16s
